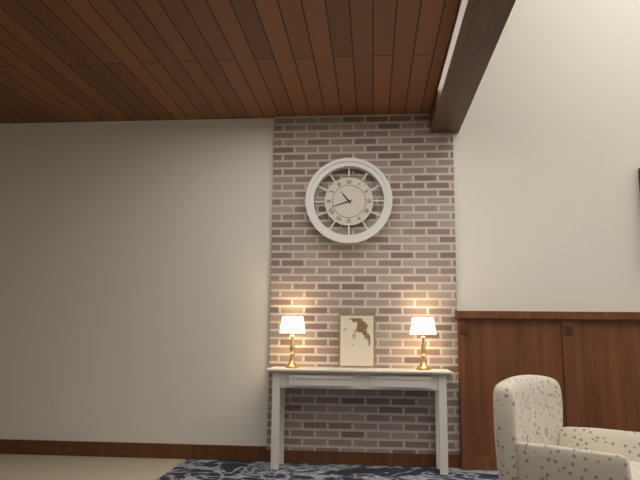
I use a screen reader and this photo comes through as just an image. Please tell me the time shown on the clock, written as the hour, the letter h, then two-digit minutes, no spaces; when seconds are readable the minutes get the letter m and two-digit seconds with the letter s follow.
10h42
